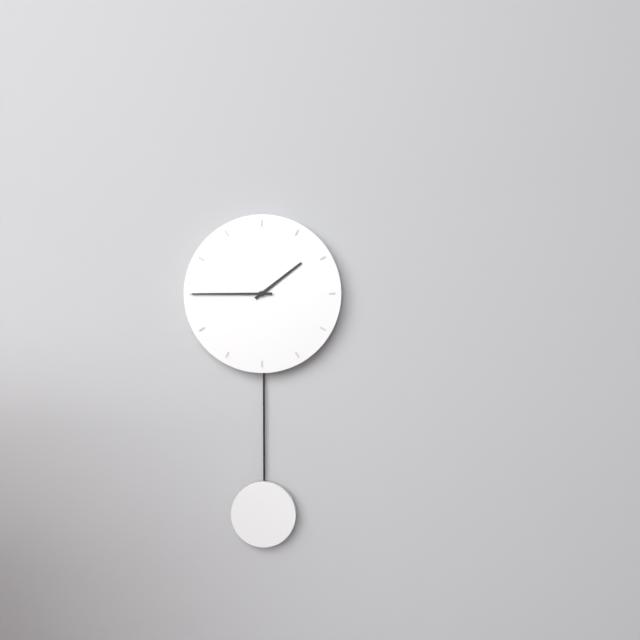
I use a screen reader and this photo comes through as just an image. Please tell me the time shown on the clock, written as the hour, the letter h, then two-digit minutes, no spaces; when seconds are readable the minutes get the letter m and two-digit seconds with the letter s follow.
1h45
